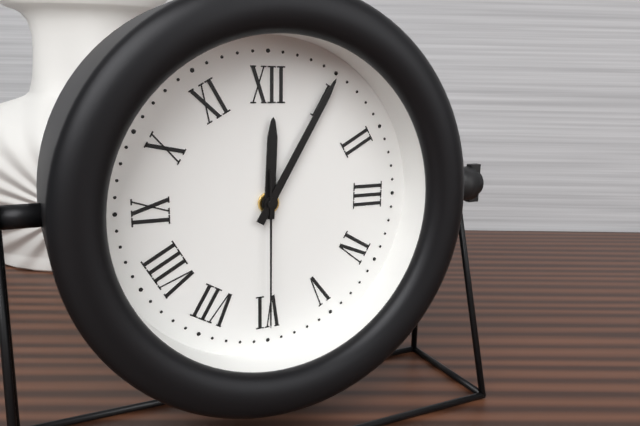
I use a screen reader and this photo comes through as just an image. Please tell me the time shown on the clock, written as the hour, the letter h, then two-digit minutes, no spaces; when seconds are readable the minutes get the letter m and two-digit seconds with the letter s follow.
12h05m30s
